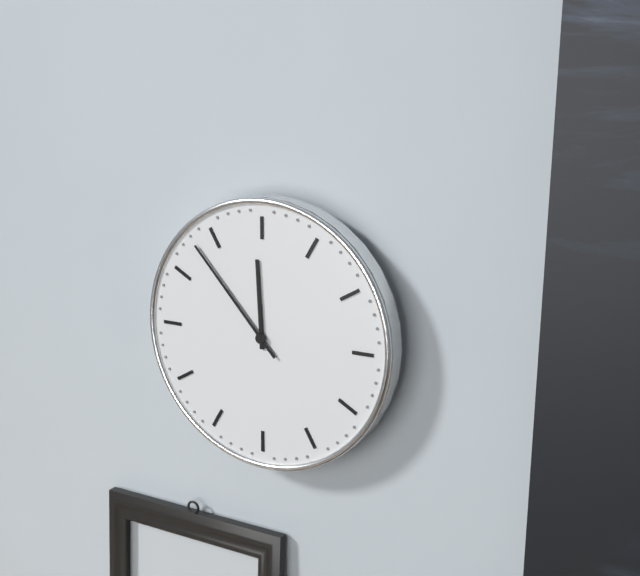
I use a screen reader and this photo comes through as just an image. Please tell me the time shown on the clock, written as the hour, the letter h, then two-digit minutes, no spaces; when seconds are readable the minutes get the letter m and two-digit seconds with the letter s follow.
11h53
